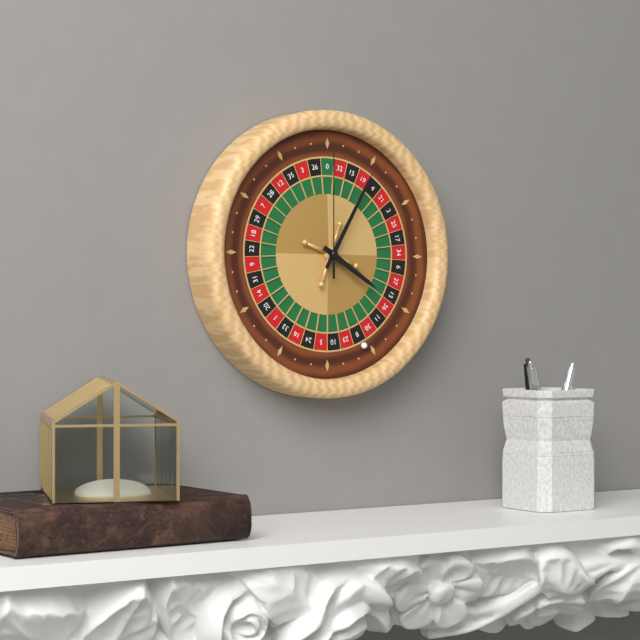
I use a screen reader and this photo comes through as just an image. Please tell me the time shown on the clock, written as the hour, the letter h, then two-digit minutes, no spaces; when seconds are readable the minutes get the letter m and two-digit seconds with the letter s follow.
4h05m00s
